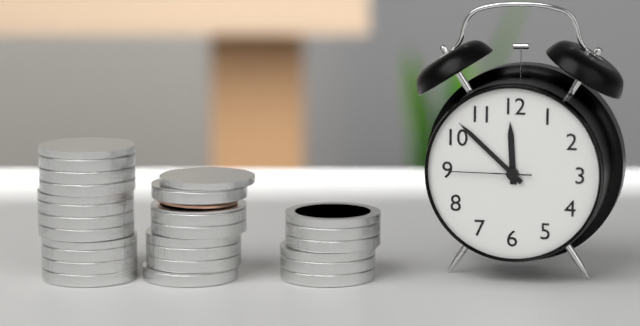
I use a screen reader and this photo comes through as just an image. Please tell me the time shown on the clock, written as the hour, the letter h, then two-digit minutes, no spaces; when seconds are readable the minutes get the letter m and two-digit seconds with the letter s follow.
11h52m45s
